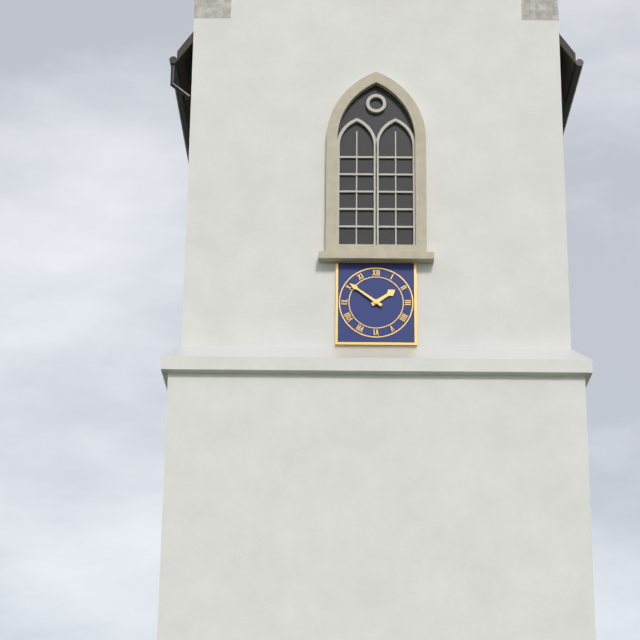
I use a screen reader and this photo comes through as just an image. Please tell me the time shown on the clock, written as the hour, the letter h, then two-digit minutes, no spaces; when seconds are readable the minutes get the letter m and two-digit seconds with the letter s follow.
1h51
